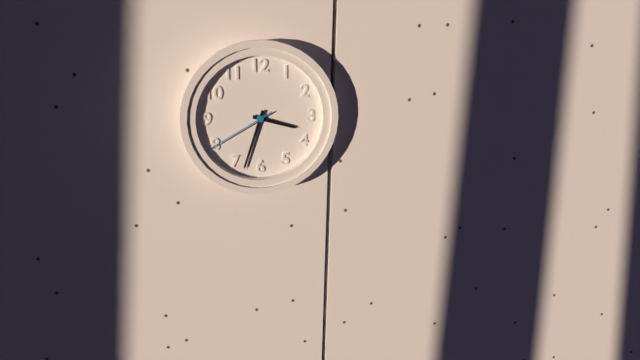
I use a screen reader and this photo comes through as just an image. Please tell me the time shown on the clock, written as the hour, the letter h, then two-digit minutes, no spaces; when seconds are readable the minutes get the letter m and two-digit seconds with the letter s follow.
3h33m40s
